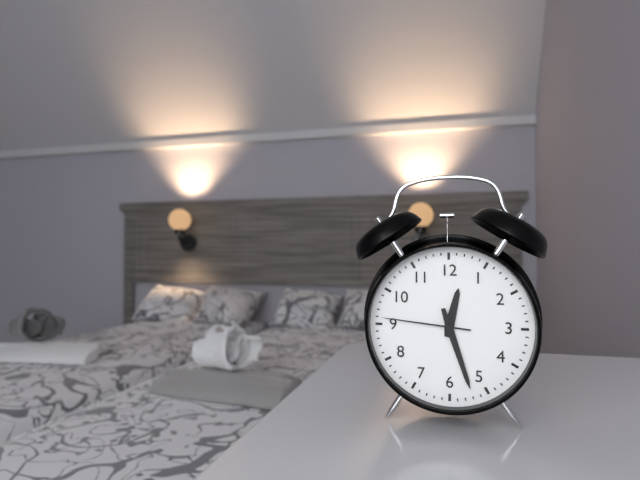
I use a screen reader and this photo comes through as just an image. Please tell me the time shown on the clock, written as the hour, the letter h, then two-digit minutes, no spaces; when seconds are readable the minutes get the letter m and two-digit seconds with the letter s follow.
12h27m46s
